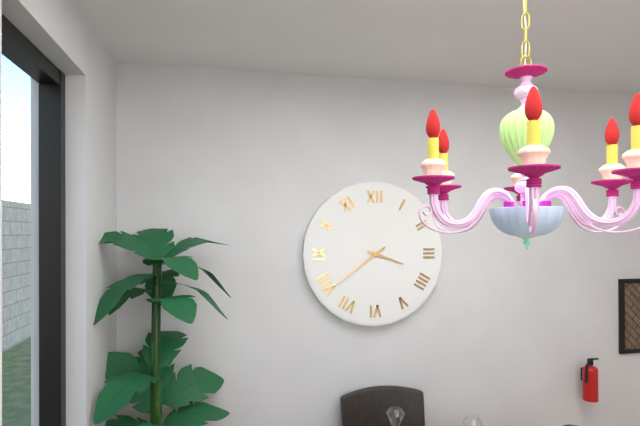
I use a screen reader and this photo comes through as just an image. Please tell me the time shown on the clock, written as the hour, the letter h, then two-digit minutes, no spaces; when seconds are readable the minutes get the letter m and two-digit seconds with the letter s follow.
3h39
